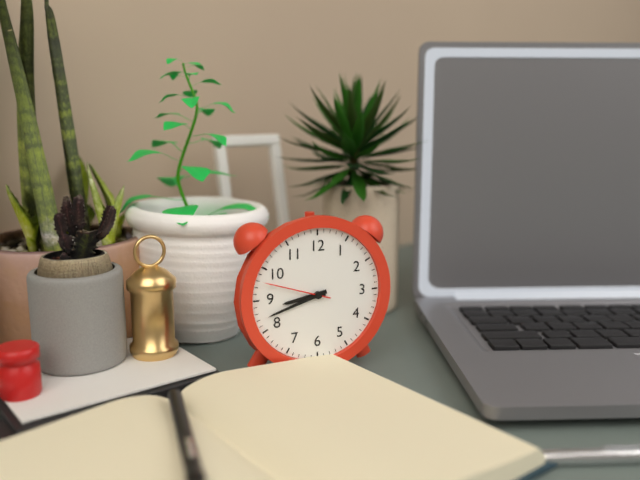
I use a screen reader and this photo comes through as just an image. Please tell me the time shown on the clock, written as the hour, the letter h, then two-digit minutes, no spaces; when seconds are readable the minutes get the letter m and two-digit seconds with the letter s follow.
8h42m48s
